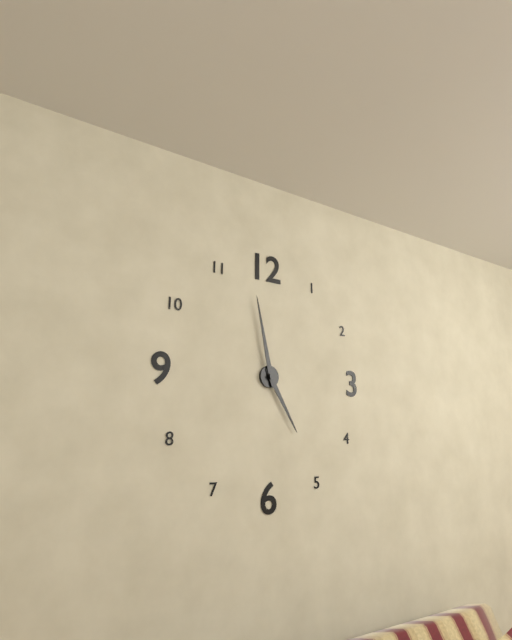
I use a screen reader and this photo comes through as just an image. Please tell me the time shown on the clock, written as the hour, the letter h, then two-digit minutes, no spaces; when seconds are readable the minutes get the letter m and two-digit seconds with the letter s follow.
4h58
